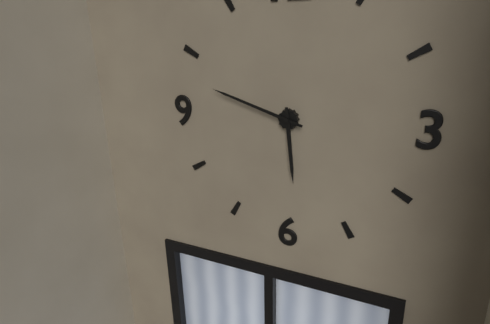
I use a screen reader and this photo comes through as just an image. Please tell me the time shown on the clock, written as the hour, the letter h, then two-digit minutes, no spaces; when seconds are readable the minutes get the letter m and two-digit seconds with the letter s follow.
5h48
